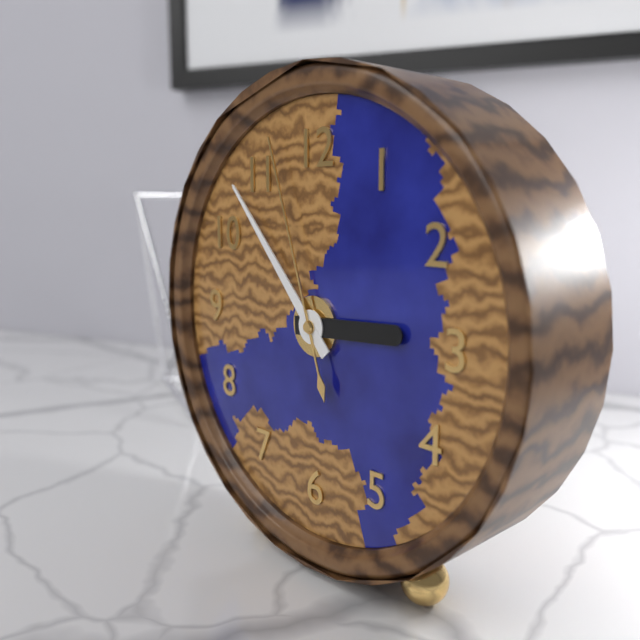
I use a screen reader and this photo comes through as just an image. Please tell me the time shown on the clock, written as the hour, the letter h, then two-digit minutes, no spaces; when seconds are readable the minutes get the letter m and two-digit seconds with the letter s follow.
2h53m57s
